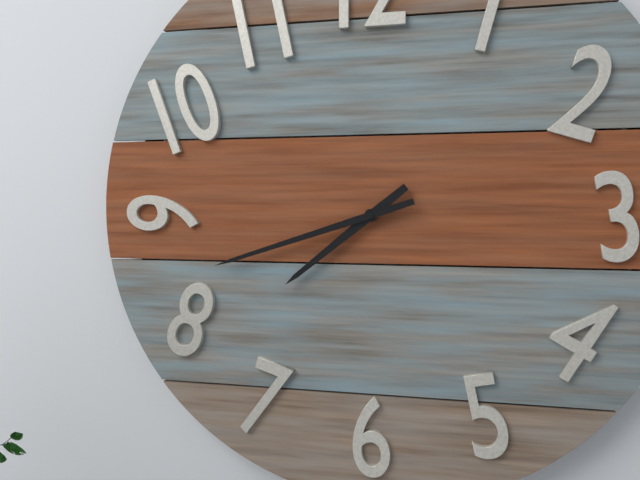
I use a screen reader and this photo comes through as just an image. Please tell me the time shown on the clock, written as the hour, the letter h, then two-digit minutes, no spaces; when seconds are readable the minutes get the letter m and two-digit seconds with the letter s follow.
7h42
